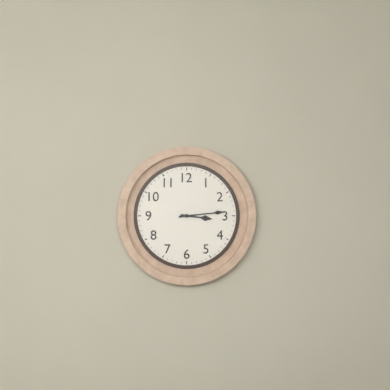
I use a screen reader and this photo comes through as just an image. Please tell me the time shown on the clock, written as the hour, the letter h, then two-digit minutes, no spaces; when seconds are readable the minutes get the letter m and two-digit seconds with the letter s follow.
3h14
